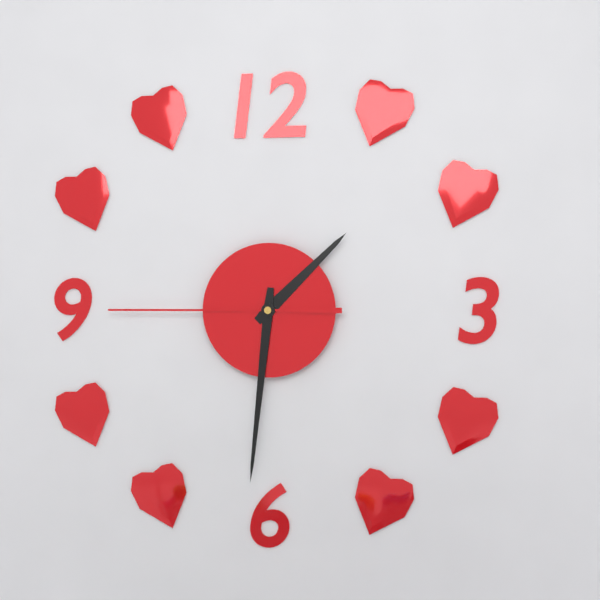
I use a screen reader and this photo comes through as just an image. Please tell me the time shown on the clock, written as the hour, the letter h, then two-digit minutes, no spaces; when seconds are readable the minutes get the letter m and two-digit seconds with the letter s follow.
1h31m45s
